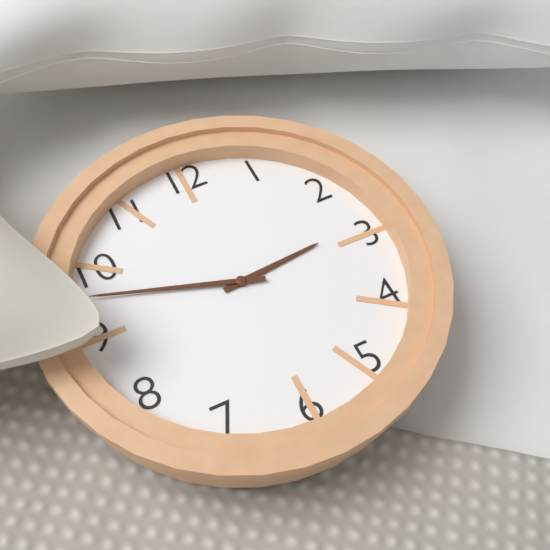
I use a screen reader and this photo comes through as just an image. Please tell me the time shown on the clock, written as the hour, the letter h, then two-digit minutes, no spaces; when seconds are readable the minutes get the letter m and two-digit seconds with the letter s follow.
2h48
